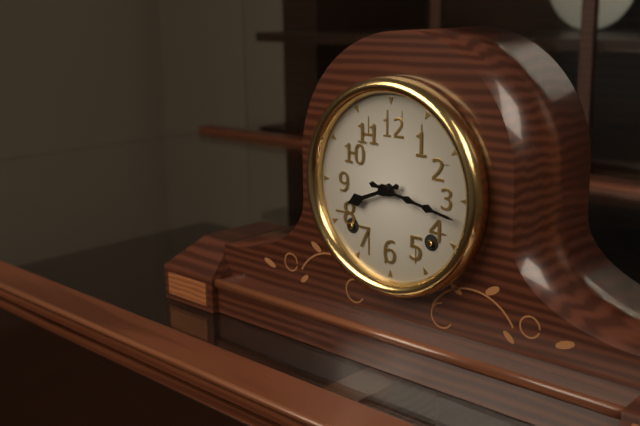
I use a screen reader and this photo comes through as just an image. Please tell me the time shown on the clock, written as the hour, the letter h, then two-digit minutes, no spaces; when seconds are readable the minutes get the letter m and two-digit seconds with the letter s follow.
8h17
